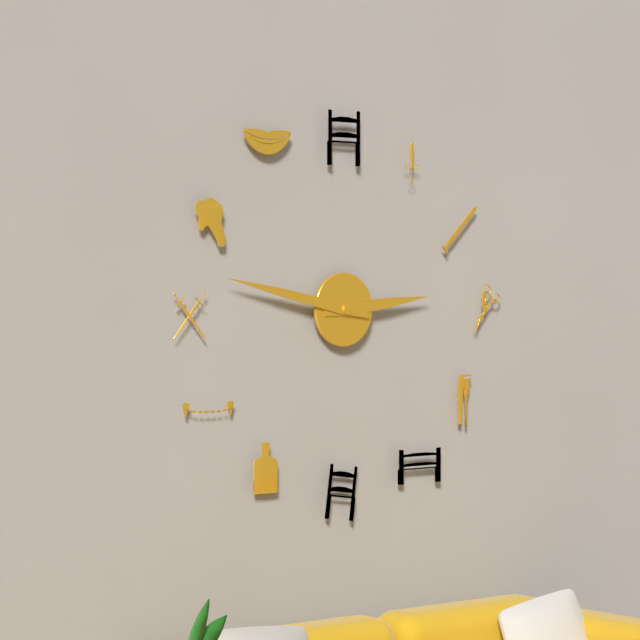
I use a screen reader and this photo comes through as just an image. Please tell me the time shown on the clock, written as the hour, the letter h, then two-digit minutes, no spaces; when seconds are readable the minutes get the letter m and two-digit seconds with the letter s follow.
2h47
